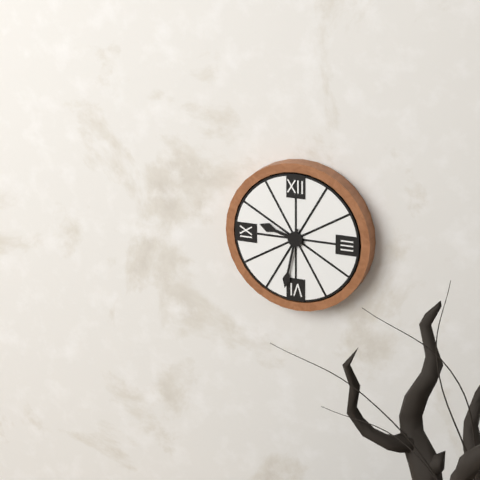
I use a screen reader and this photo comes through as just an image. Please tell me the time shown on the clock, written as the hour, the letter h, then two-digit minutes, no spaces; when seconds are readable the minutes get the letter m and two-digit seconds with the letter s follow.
9h32
